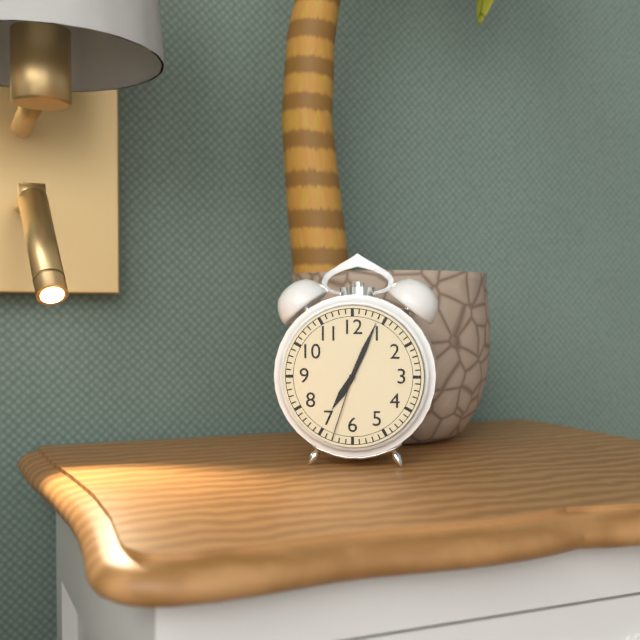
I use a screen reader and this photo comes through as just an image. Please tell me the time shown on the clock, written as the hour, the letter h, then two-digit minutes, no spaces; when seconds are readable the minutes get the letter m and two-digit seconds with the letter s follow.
7h04m33s
